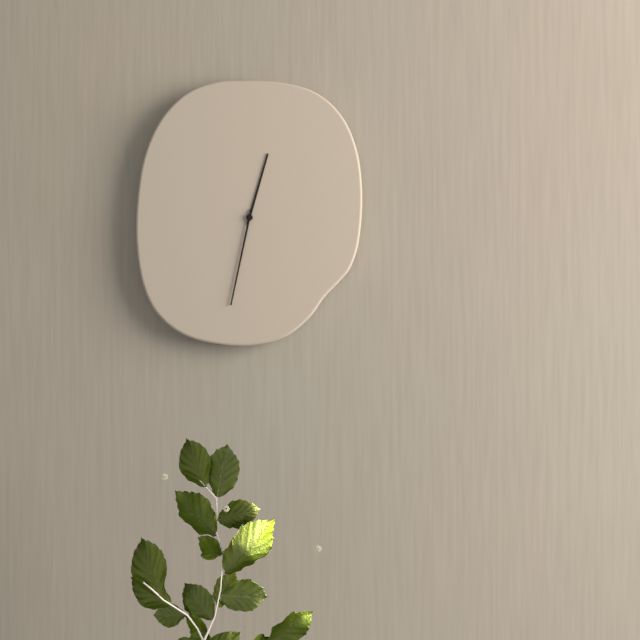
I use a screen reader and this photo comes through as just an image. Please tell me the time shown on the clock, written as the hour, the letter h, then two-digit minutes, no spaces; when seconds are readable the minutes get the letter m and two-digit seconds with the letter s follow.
12h32
